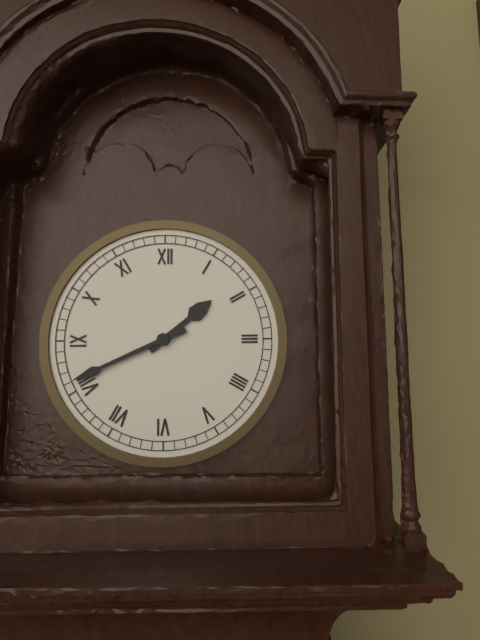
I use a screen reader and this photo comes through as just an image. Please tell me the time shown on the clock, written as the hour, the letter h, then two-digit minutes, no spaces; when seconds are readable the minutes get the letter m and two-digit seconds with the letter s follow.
1h41
